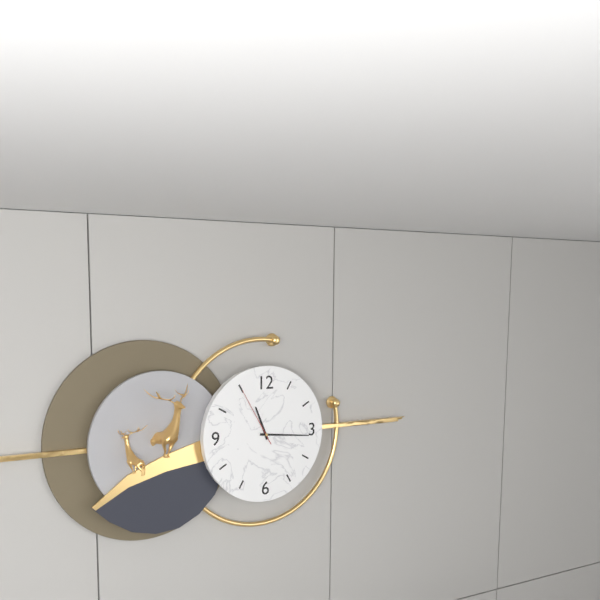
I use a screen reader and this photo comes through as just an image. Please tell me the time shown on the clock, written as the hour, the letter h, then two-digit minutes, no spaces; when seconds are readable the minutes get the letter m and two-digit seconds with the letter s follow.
11h16m55s
